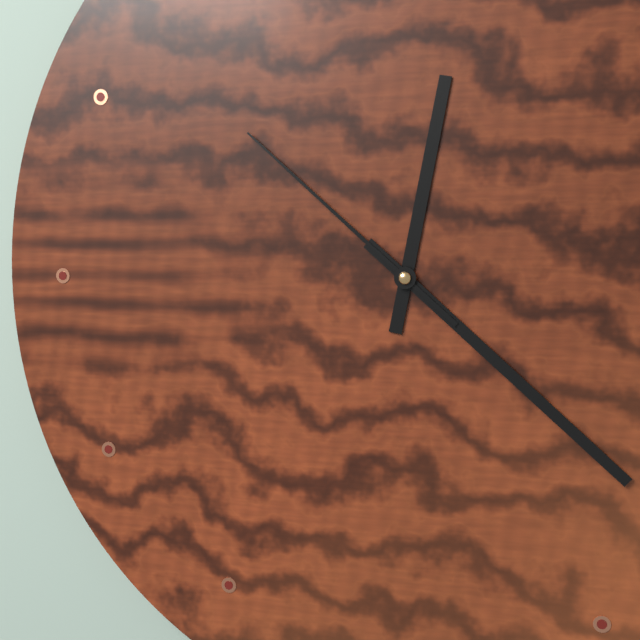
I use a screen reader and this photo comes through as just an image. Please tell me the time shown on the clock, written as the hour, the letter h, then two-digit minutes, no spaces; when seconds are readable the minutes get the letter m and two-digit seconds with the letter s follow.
12h22m52s
